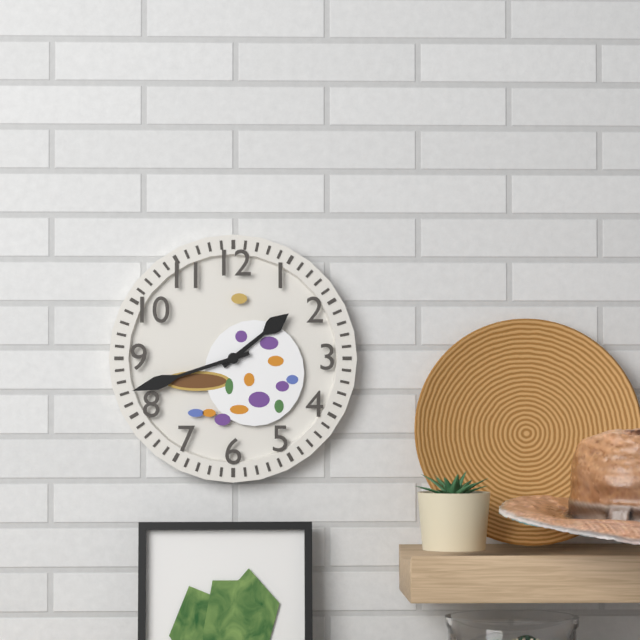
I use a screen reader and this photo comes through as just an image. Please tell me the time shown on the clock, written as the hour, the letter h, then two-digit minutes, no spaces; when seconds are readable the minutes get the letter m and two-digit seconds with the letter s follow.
1h42
